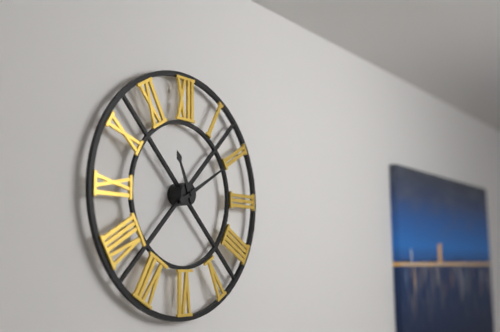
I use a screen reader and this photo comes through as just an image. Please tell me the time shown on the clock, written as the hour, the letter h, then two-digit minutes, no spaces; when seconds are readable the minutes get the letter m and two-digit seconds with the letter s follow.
11h10
